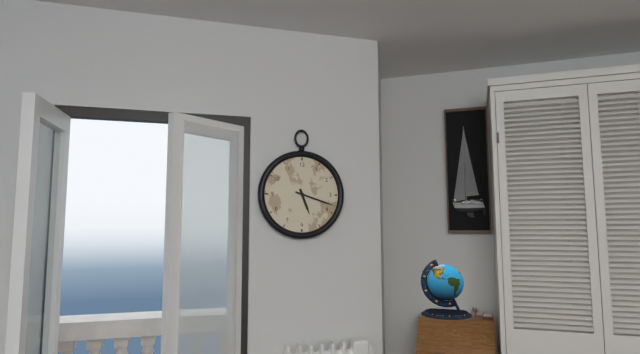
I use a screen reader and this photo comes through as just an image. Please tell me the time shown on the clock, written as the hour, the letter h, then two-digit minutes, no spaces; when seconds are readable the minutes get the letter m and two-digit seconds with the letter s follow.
5h18
